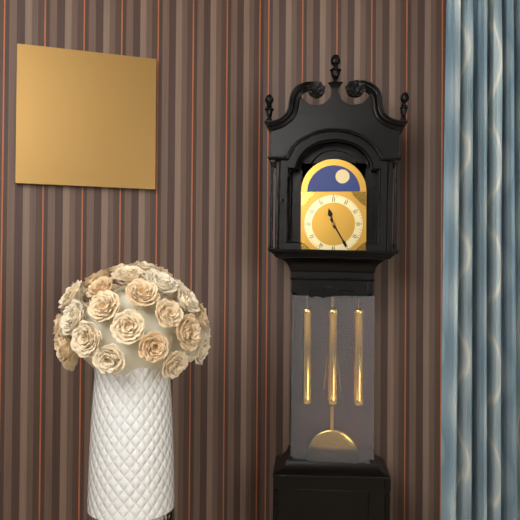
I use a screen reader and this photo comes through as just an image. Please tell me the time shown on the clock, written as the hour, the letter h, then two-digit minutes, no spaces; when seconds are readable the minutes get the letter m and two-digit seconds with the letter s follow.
11h25
